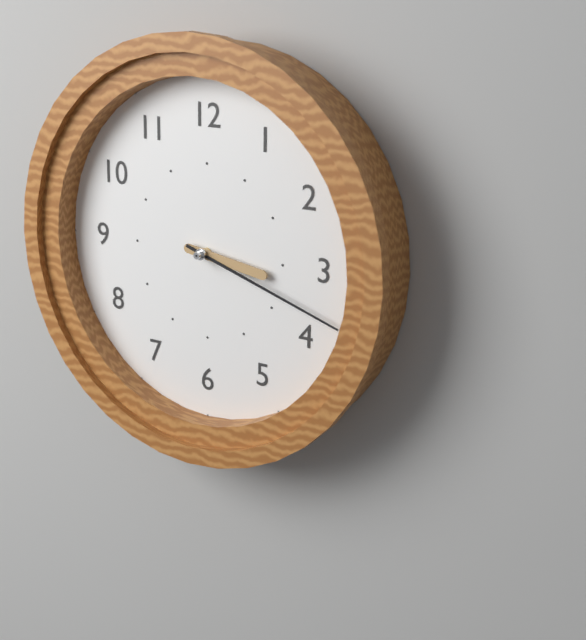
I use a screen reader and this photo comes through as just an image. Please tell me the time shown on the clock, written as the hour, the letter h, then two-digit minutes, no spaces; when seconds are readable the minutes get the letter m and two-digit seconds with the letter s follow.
3h18
